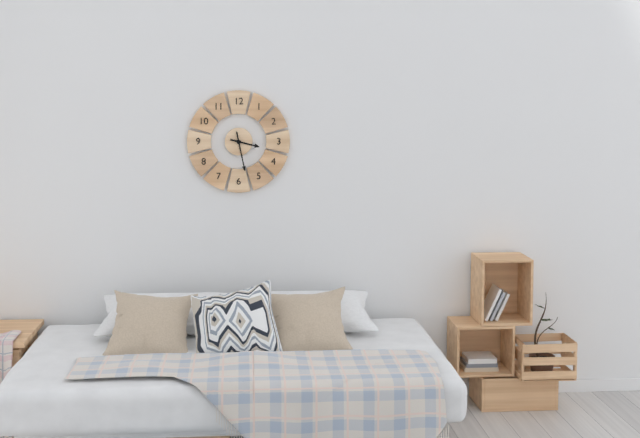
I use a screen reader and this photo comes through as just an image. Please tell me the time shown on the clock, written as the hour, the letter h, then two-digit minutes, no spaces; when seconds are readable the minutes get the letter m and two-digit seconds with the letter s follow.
3h28
